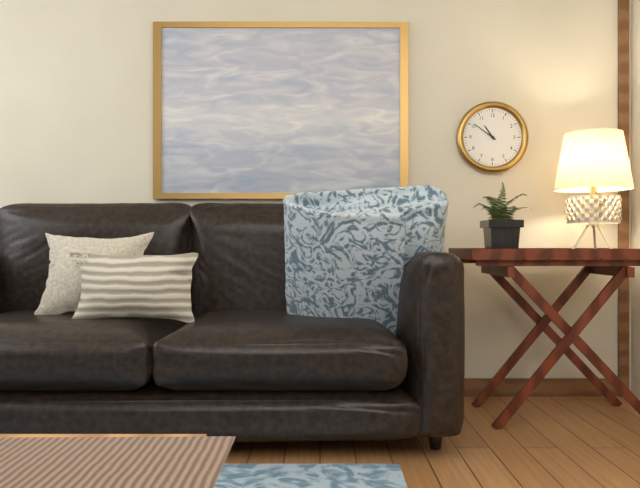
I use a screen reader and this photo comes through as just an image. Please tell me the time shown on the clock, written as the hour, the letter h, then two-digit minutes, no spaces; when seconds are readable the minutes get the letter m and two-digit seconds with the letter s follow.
10h51
